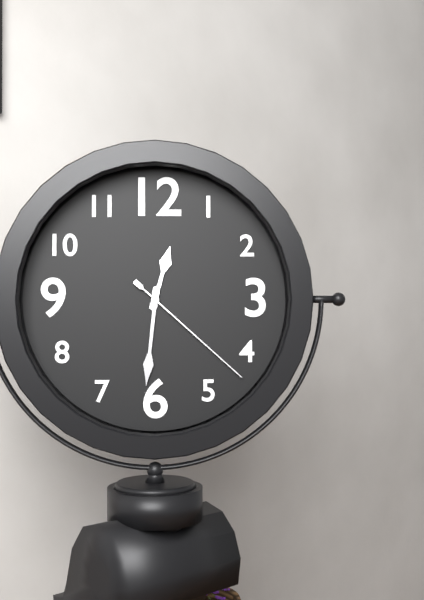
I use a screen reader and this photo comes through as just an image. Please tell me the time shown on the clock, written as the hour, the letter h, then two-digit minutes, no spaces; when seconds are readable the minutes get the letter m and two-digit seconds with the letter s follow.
12h31m22s
